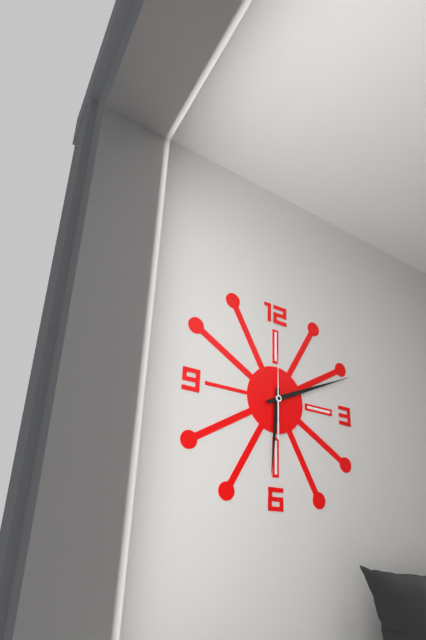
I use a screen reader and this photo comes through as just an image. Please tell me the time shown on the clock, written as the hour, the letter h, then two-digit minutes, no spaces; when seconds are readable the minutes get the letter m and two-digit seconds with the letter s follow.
6h11m00s
